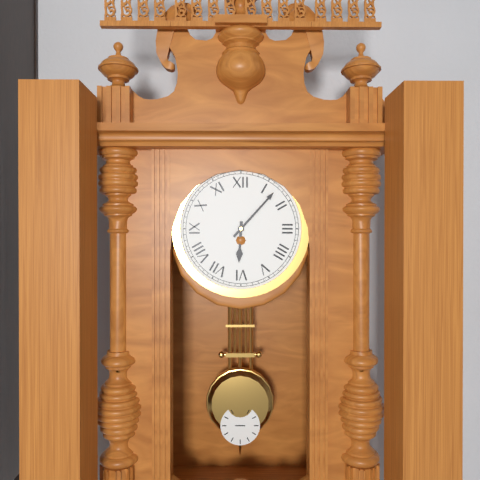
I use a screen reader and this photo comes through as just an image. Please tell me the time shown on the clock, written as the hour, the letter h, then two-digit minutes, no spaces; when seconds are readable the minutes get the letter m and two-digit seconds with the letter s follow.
6h07
